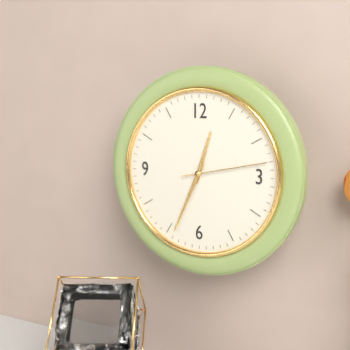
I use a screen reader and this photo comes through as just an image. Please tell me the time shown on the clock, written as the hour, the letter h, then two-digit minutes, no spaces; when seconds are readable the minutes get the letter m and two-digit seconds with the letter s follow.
12h34m13s
